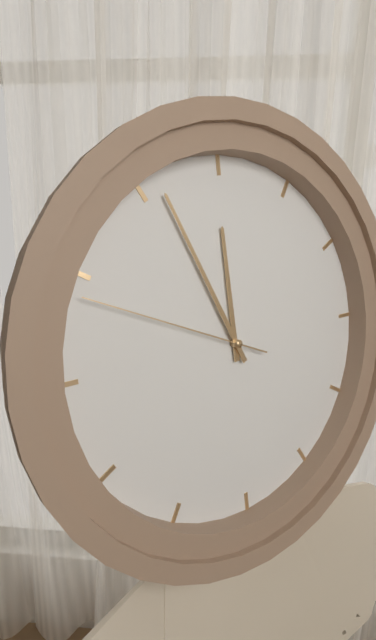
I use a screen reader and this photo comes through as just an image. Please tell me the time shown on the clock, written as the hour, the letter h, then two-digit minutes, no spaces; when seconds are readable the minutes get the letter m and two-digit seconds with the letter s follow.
11h56m49s
